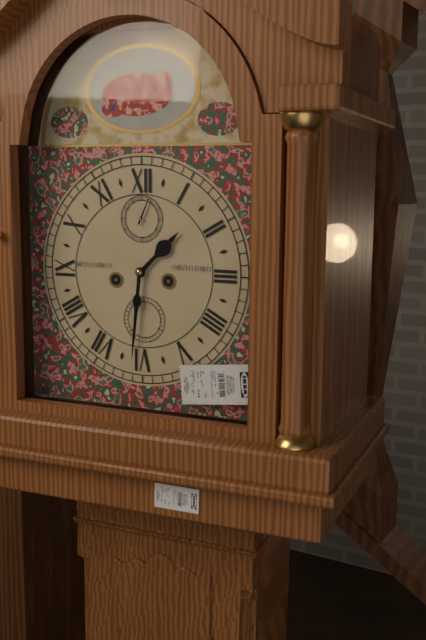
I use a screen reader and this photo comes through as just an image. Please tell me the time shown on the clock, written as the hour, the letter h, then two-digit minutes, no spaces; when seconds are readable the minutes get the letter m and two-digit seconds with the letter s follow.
1h31
